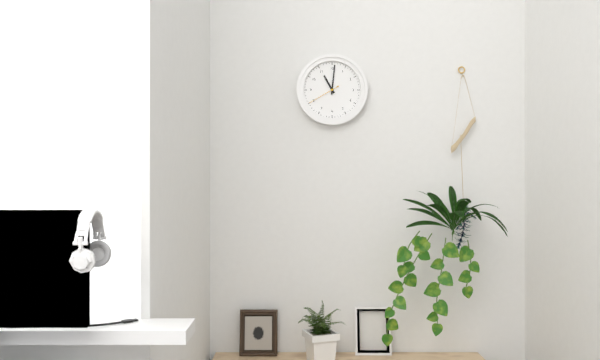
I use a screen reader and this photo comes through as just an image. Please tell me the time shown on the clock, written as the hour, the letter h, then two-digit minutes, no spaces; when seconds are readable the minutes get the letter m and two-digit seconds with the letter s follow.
11h01
